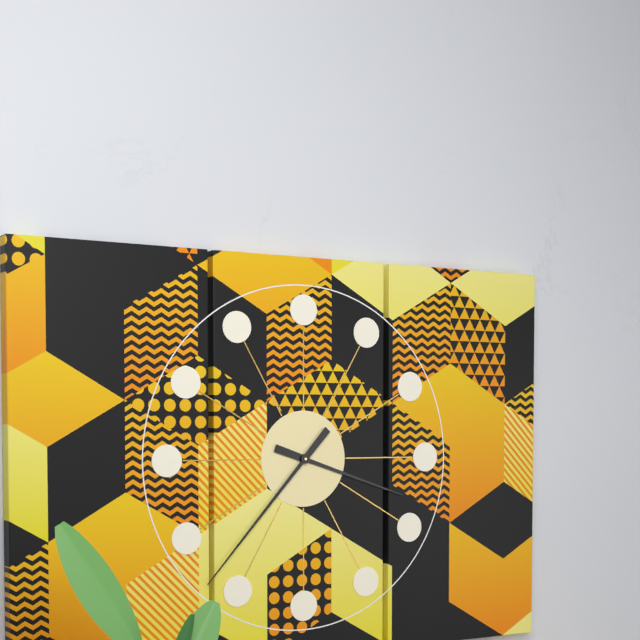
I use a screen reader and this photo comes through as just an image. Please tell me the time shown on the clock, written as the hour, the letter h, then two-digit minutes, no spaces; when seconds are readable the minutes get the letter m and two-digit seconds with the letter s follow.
3h37
